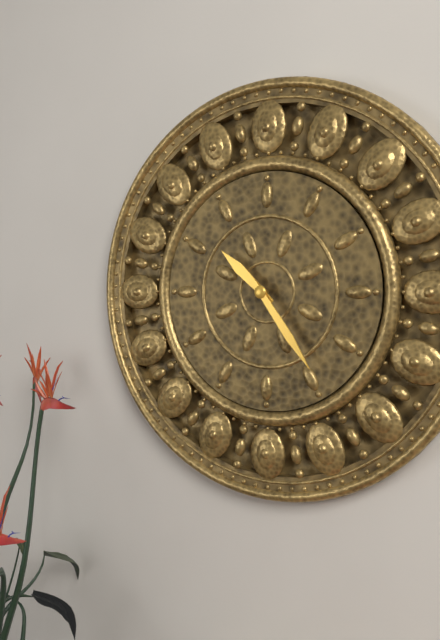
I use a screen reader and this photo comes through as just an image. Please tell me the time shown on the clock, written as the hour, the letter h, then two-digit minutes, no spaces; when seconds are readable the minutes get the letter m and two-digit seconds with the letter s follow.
10h24
